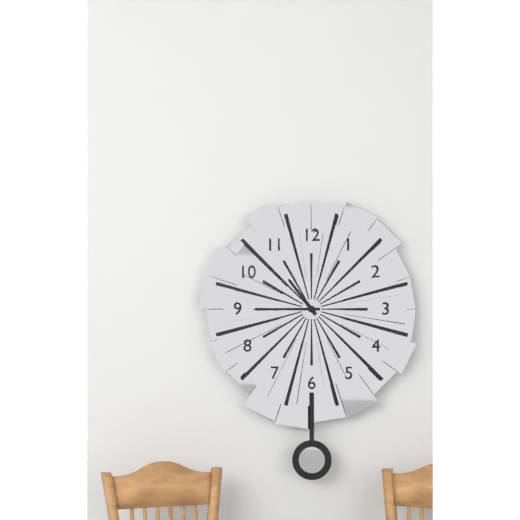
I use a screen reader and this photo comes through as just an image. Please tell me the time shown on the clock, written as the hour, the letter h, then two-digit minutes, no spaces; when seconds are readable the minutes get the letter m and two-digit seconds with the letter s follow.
10h45
